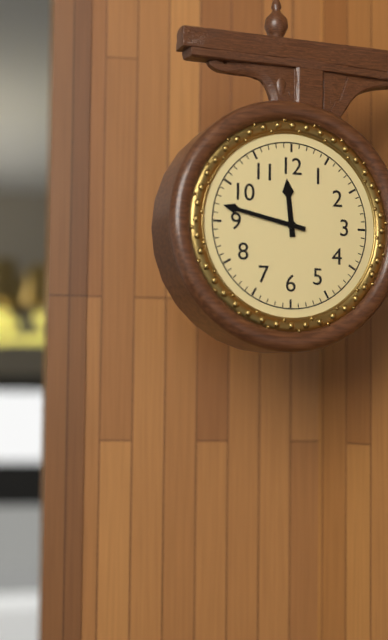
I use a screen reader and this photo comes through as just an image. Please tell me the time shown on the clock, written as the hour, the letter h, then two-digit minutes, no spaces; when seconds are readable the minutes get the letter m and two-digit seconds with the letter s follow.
11h47
